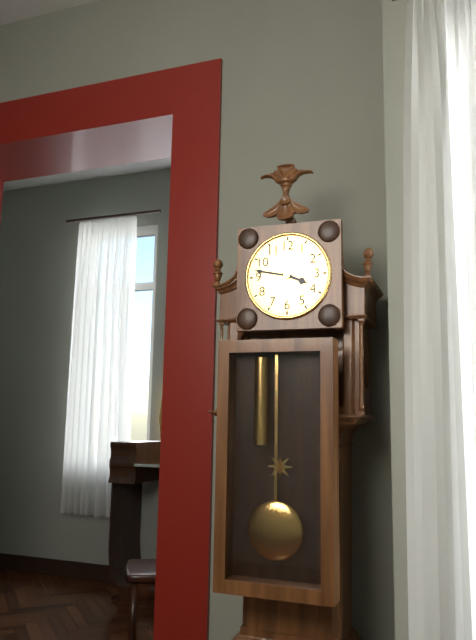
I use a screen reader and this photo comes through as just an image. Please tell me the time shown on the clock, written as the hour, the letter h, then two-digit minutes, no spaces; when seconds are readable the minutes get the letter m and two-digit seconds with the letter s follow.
3h47
